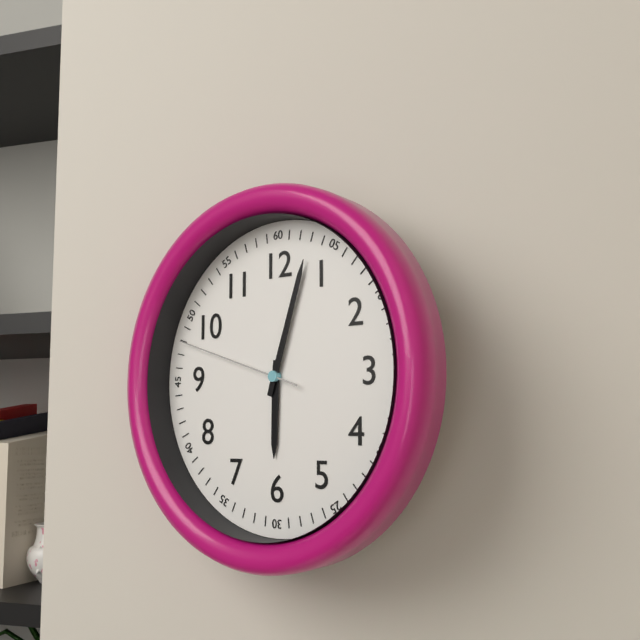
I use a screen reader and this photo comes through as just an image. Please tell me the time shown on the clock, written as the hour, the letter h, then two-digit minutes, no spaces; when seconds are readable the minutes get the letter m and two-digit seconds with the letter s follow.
6h03m48s
